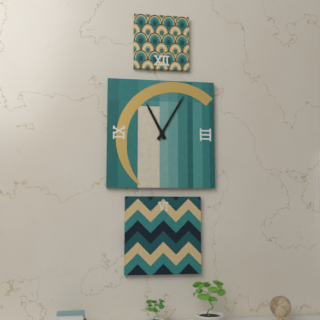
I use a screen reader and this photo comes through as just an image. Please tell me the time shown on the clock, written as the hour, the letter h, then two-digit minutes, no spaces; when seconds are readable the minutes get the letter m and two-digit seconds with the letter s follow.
11h05
